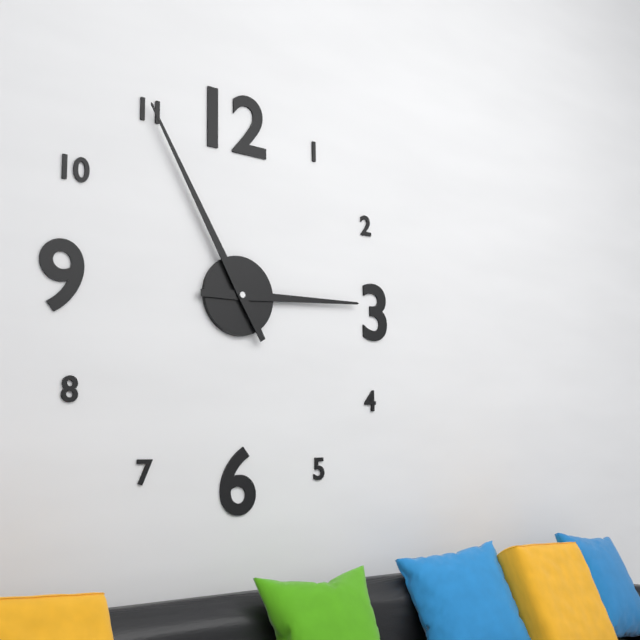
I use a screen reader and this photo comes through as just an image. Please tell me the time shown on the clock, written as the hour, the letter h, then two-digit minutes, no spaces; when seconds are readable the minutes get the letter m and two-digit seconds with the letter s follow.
2h55
